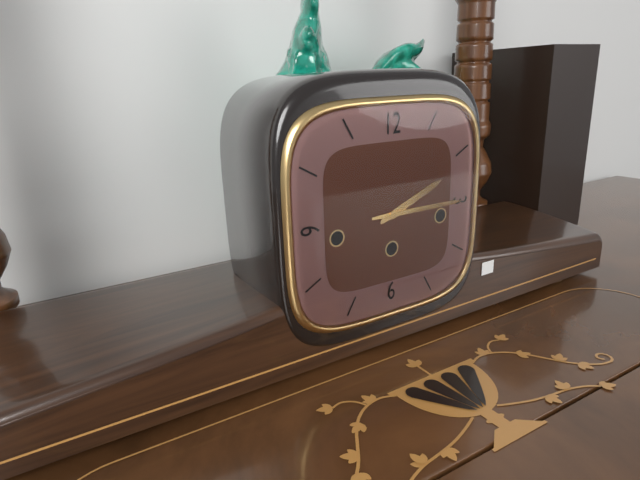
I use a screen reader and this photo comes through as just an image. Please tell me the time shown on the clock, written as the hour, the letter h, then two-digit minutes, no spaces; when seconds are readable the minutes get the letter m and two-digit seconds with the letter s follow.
2h15
